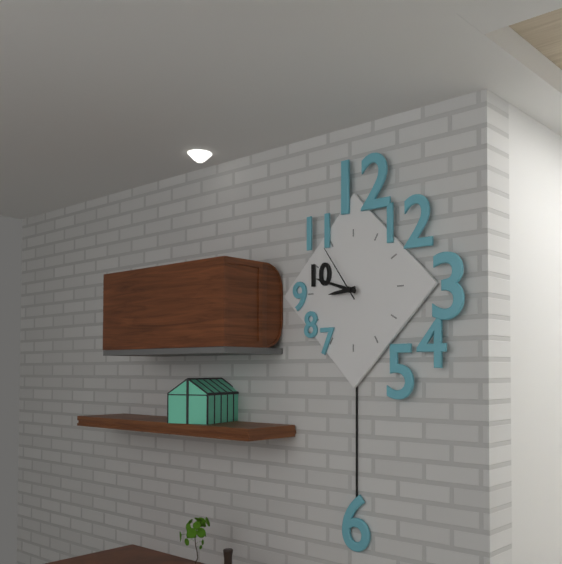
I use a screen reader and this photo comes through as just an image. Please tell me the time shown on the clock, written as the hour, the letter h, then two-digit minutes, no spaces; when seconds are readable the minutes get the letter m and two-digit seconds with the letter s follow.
8h48m54s
